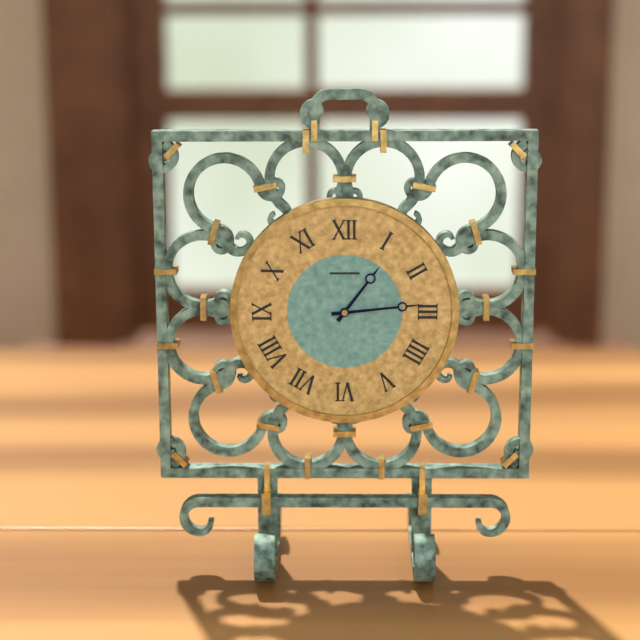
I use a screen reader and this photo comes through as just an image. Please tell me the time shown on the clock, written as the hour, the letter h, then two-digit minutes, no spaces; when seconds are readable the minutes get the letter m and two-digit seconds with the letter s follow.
1h14
